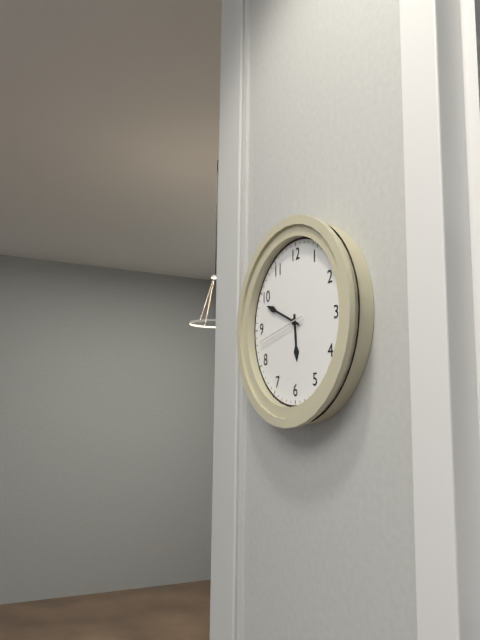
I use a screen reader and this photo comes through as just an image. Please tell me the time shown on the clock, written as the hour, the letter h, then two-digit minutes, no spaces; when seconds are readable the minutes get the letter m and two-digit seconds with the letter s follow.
5h49
